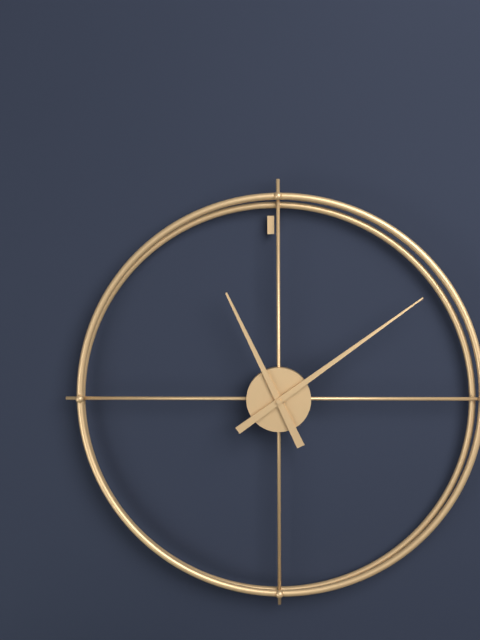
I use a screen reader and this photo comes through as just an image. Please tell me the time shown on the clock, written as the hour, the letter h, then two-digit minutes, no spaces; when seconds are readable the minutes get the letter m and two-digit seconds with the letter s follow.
11h09
